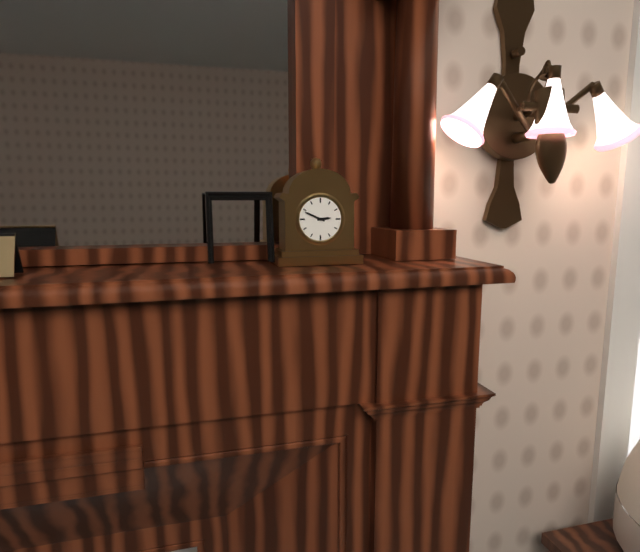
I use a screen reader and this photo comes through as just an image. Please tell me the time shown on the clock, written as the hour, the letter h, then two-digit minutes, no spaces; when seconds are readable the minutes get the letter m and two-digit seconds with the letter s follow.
2h49
